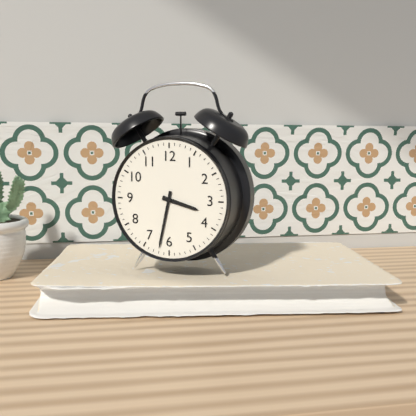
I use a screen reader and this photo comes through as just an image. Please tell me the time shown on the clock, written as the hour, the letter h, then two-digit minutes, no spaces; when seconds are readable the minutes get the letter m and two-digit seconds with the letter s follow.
3h32
